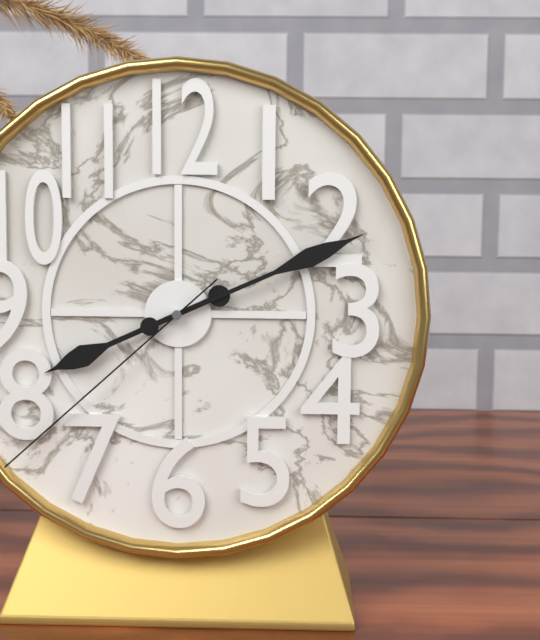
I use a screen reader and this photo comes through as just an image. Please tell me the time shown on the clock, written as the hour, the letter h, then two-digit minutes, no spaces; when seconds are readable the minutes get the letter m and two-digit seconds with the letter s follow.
8h11m38s
